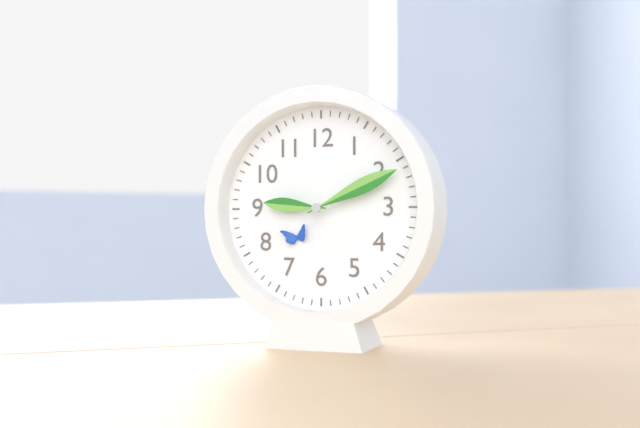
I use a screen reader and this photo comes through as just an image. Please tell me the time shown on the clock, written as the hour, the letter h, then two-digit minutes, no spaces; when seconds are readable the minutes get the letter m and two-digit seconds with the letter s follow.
9h11
